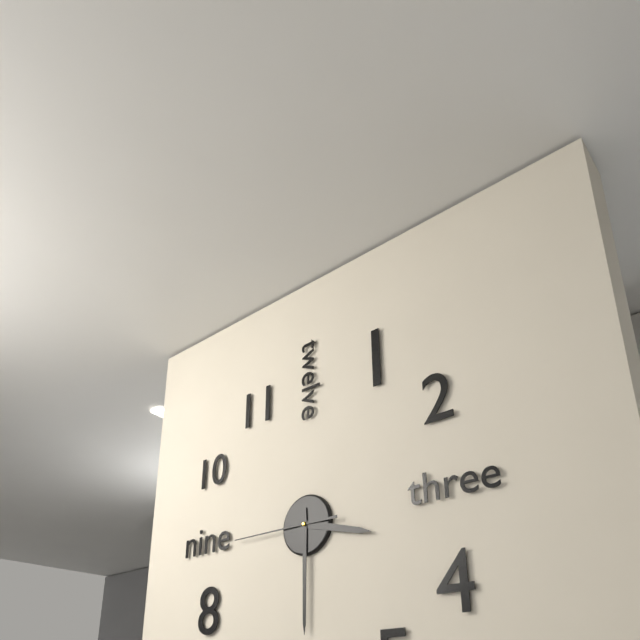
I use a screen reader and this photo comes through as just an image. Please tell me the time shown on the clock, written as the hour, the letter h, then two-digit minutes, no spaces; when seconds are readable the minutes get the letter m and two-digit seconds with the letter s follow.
3h30m45s
